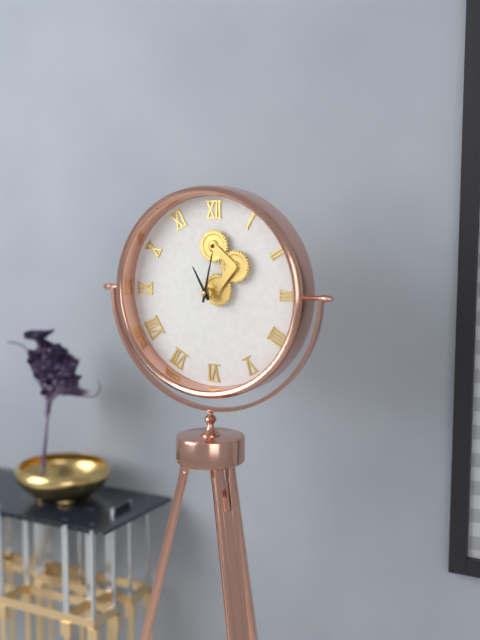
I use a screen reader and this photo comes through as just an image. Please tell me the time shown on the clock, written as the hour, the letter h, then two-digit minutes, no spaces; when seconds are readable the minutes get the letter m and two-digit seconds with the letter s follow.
11h02
